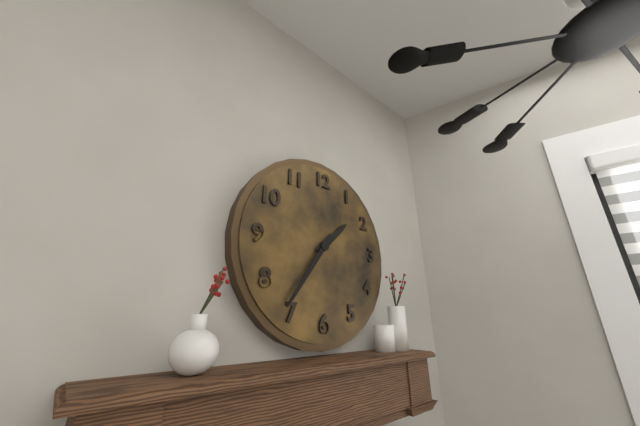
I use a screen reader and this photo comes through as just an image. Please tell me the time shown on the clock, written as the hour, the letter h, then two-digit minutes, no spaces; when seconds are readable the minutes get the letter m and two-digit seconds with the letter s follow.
1h36
